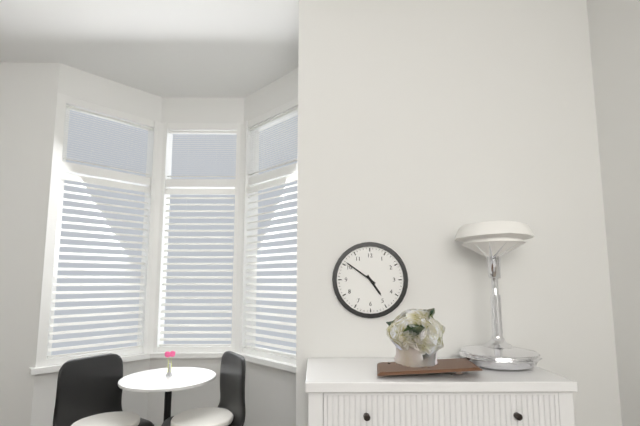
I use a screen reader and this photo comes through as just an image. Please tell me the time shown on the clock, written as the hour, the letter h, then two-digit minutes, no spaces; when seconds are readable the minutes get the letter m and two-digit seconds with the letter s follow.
4h51
